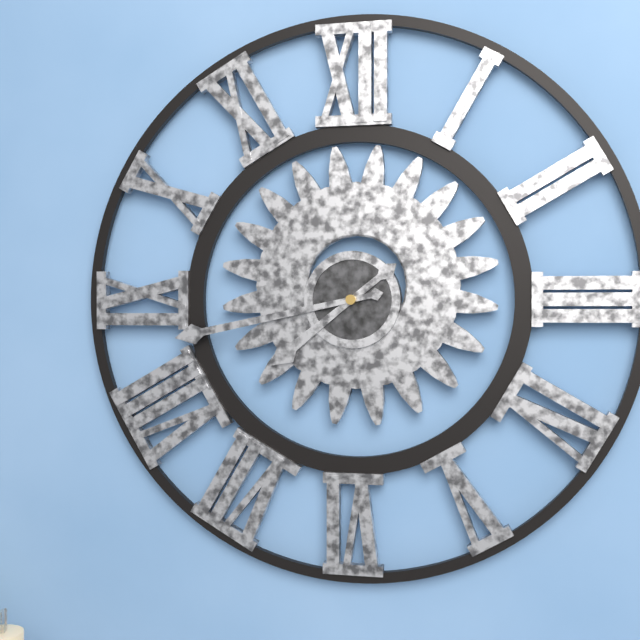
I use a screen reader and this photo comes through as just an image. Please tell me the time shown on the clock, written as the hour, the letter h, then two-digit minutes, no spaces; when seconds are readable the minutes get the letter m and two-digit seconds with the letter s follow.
7h43
